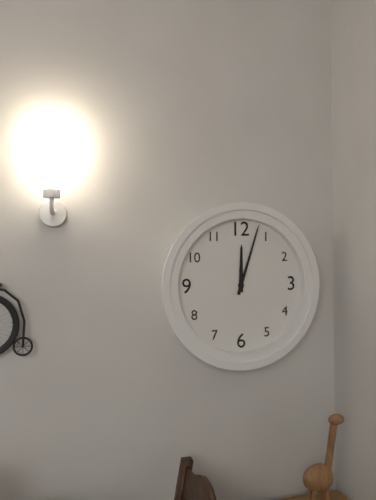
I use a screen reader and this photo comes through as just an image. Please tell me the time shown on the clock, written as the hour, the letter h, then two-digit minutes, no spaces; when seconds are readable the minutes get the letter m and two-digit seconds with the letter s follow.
12h03
